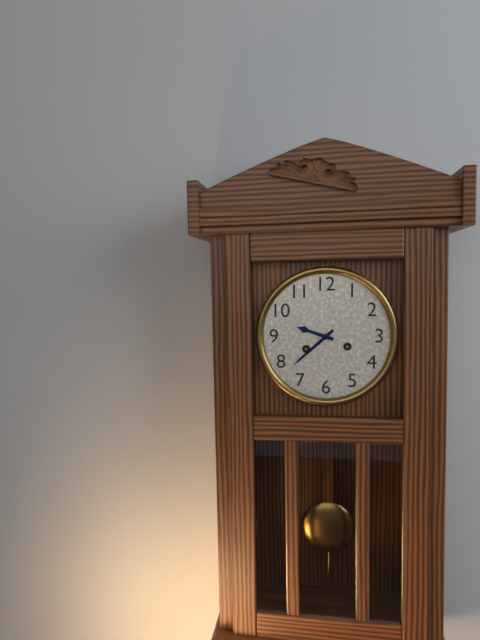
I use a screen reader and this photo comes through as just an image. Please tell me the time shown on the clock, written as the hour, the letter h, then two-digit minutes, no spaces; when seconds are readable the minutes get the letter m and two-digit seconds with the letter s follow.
9h38
